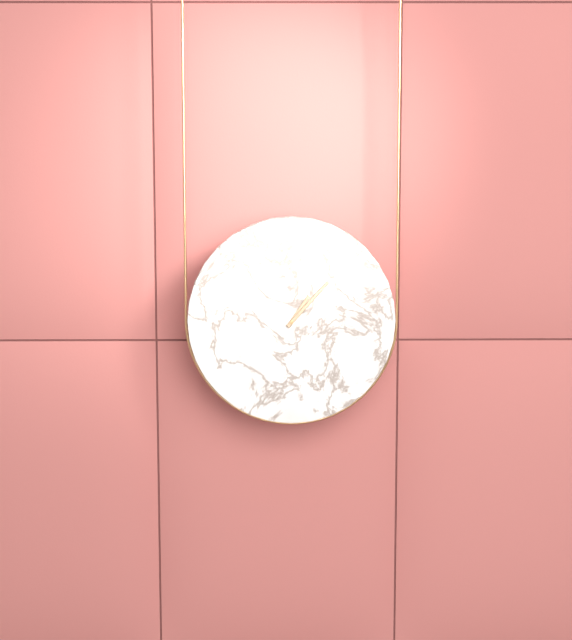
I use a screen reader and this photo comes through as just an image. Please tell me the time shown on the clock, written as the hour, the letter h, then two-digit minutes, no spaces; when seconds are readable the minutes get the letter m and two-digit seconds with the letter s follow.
1h07
